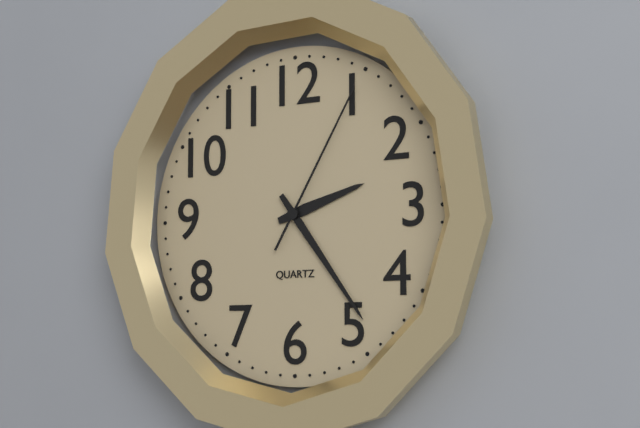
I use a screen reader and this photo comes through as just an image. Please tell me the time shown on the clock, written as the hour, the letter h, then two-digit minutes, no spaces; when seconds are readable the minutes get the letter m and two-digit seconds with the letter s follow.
2h24m05s
